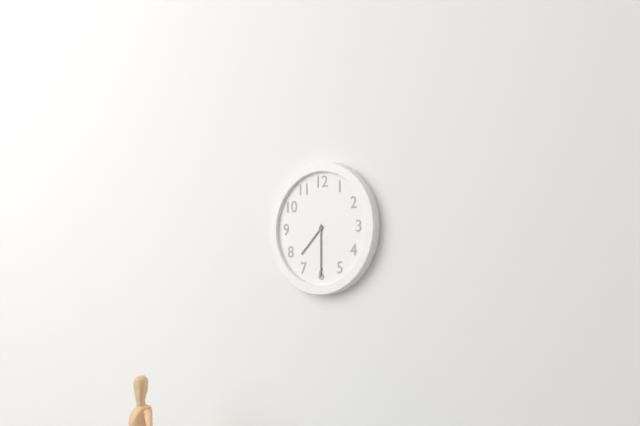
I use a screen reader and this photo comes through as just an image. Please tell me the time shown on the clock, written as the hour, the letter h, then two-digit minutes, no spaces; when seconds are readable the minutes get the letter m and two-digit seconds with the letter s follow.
7h30
